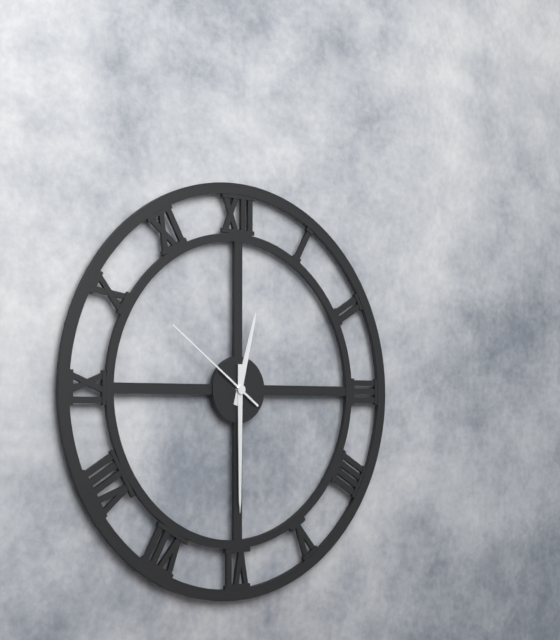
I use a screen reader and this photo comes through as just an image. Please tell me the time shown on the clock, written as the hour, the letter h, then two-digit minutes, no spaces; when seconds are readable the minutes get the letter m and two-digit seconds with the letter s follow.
12h30m51s
